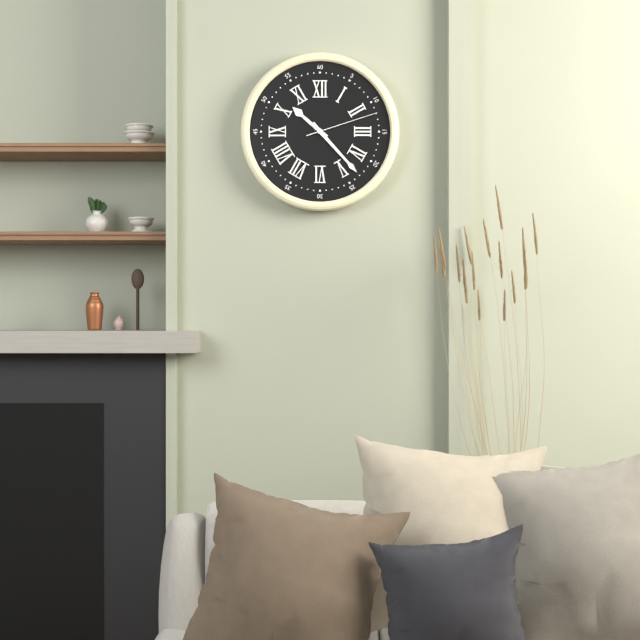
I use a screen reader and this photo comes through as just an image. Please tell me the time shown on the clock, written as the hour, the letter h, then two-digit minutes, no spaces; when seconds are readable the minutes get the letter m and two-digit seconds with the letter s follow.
10h23m12s
